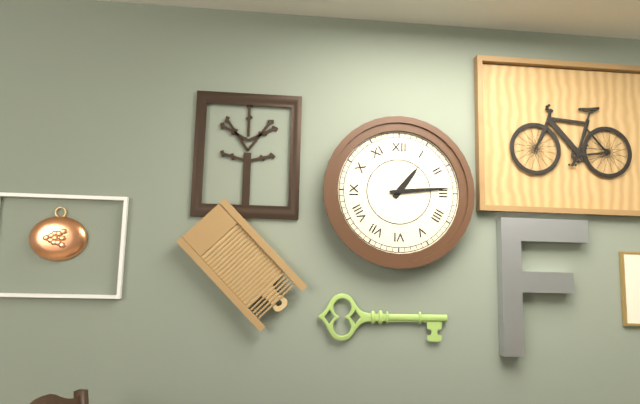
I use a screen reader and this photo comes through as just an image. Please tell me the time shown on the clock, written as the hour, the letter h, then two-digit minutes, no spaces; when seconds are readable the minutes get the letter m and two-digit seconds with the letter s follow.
1h14
